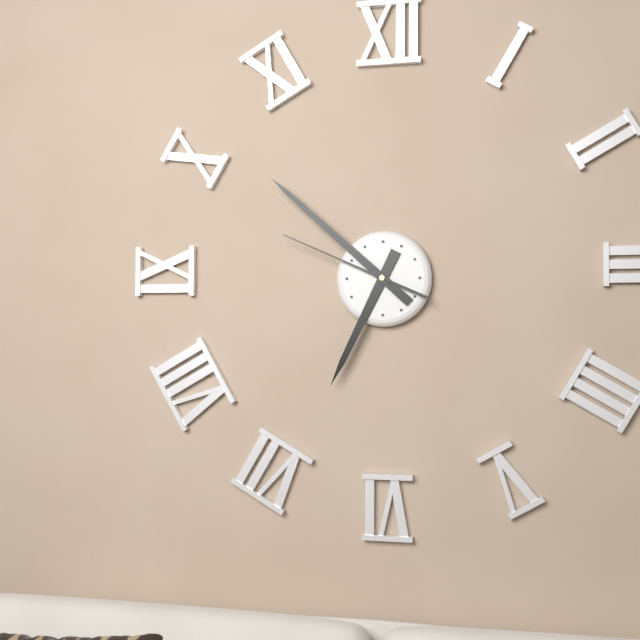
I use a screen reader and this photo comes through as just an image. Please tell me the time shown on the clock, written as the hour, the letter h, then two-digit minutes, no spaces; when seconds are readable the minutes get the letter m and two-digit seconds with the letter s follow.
6h52m49s
